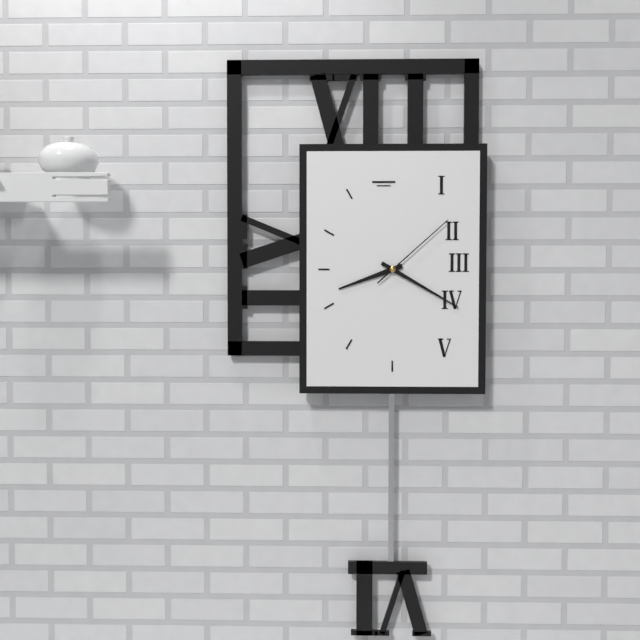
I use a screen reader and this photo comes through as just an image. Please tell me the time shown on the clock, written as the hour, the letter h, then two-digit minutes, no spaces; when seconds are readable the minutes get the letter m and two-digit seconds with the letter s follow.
8h20m08s
